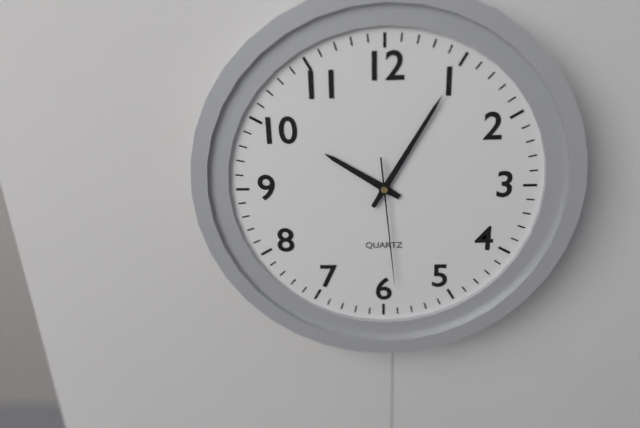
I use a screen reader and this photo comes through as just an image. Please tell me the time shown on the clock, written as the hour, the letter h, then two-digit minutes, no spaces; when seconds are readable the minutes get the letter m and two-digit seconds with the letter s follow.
10h05m29s
